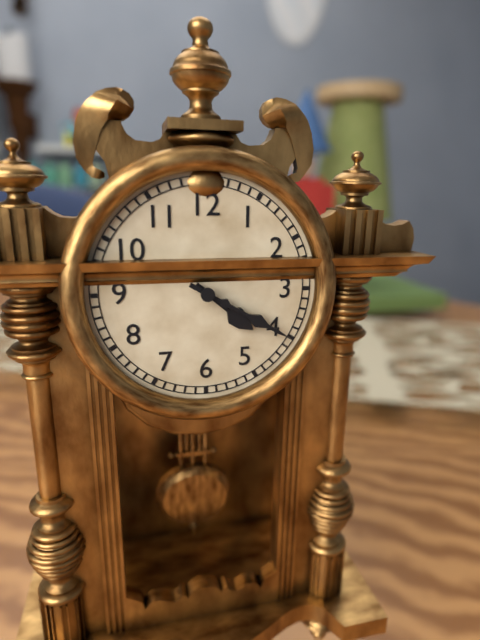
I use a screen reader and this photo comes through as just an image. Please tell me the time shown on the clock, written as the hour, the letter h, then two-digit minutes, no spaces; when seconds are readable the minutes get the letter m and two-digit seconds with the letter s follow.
4h20
